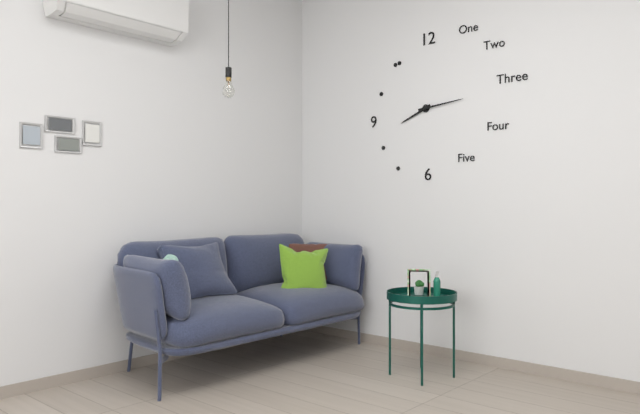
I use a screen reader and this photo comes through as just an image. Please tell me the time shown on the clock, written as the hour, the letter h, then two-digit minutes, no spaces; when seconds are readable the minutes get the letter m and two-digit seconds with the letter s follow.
8h14
